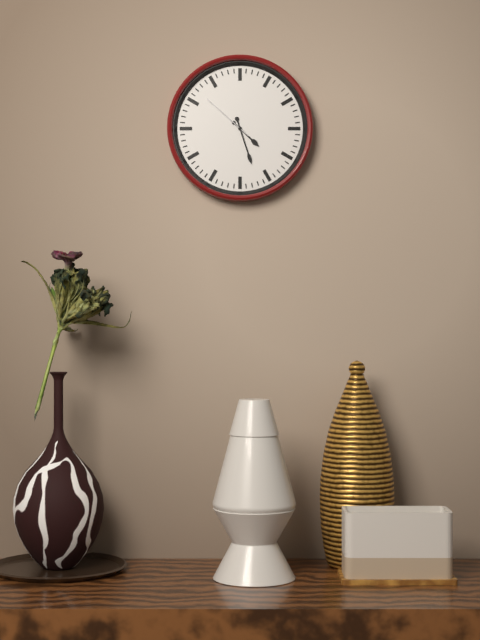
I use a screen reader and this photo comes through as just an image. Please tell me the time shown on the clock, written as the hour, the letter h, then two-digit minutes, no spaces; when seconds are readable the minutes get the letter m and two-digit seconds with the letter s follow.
4h27m52s
